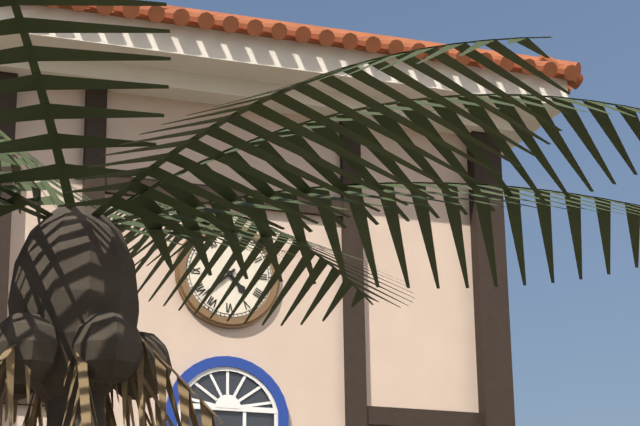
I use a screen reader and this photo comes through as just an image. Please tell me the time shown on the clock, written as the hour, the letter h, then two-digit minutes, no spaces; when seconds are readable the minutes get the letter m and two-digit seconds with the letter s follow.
4h38
